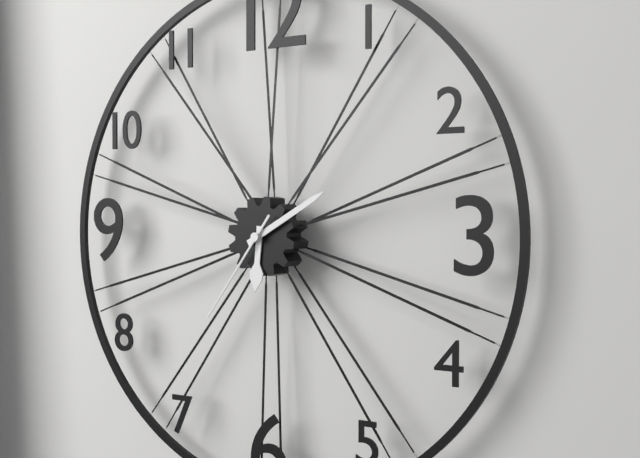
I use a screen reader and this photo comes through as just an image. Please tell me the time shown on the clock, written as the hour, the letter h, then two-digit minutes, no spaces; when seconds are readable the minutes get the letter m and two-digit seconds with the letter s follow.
6h10m36s
